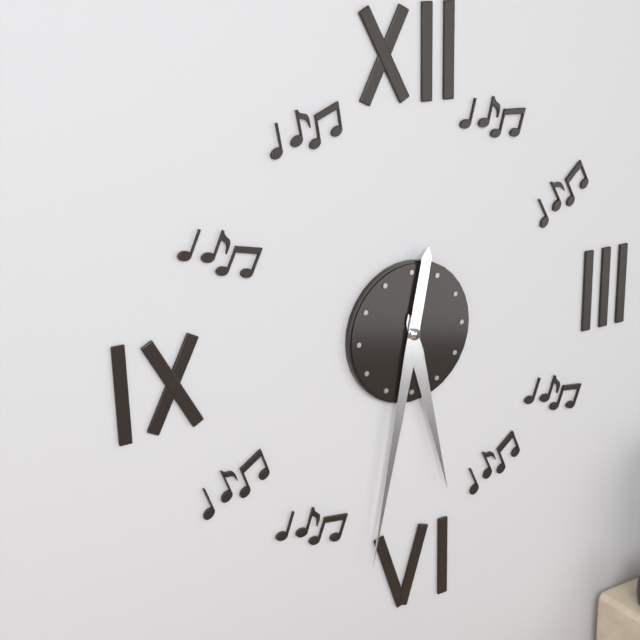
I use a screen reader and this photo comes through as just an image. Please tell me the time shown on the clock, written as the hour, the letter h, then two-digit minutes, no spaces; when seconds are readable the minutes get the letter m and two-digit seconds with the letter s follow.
5h32
